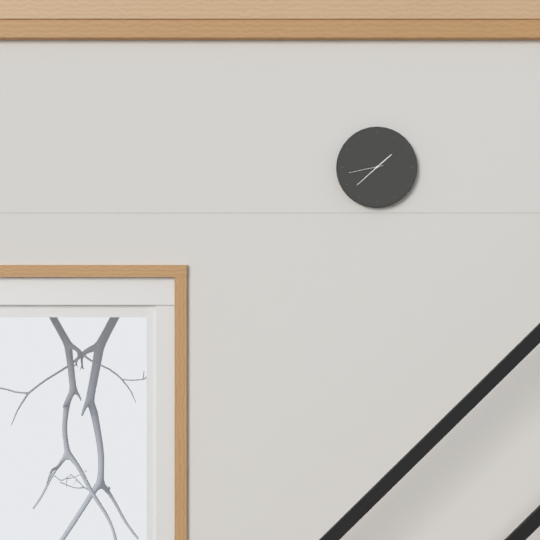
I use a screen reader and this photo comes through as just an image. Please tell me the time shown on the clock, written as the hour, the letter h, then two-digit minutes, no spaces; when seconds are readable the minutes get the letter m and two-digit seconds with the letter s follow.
1h38
